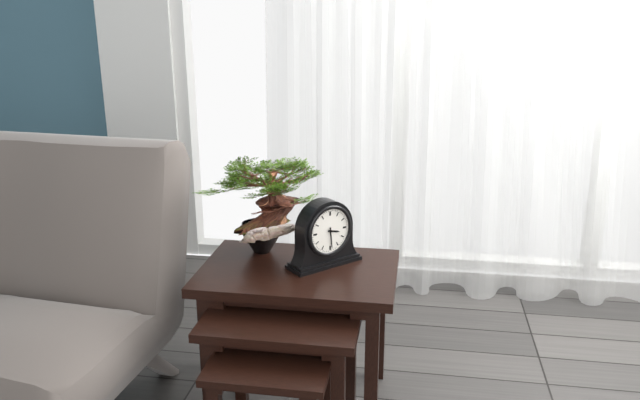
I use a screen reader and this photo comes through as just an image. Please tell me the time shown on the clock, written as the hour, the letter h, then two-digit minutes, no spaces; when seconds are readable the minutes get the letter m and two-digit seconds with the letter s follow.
3h29
